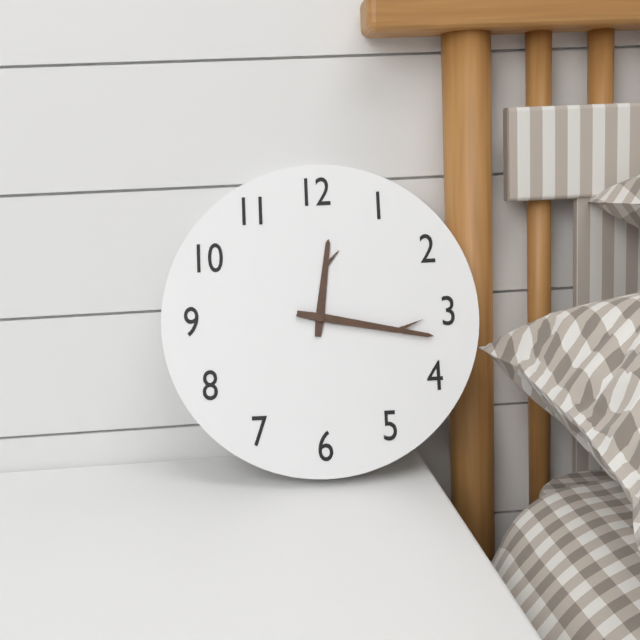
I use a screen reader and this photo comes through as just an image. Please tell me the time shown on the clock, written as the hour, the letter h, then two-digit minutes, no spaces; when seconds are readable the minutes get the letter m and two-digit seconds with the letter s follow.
12h17
